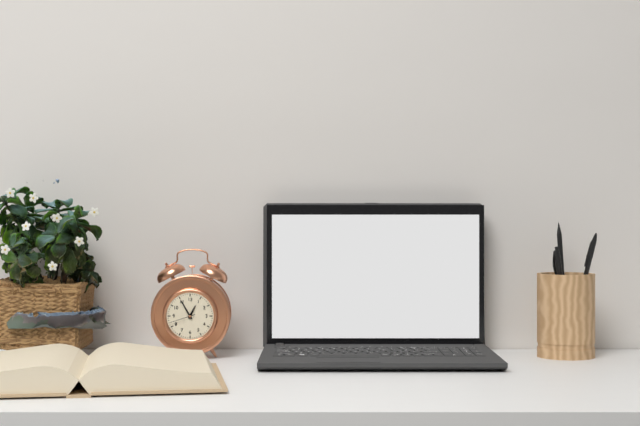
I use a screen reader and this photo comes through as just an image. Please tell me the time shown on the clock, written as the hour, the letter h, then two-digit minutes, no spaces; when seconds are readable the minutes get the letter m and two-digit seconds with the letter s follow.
12h55
